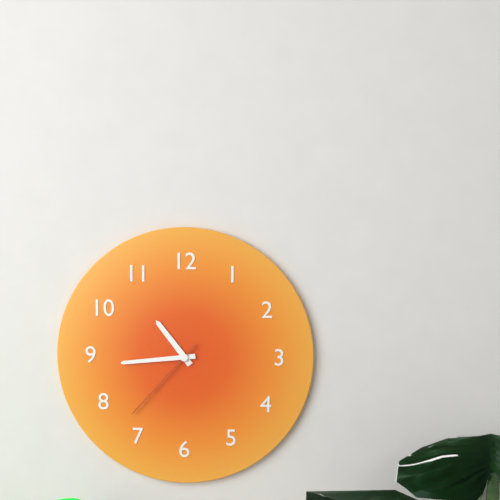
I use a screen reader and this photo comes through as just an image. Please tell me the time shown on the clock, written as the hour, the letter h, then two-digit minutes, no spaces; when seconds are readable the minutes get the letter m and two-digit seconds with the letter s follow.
10h44m37s
